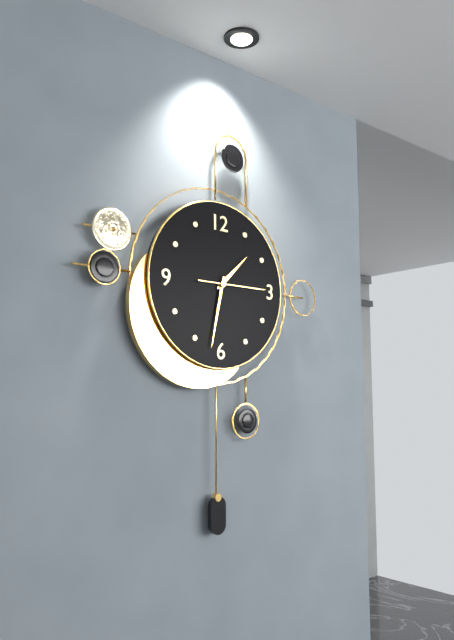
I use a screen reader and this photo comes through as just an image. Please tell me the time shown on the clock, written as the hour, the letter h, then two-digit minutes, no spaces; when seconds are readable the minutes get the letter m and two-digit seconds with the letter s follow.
1h32m15s
